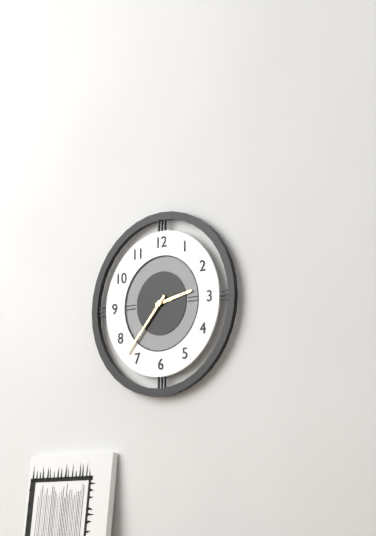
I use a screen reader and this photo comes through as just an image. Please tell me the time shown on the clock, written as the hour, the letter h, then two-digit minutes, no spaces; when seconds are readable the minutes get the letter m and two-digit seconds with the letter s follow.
2h37
